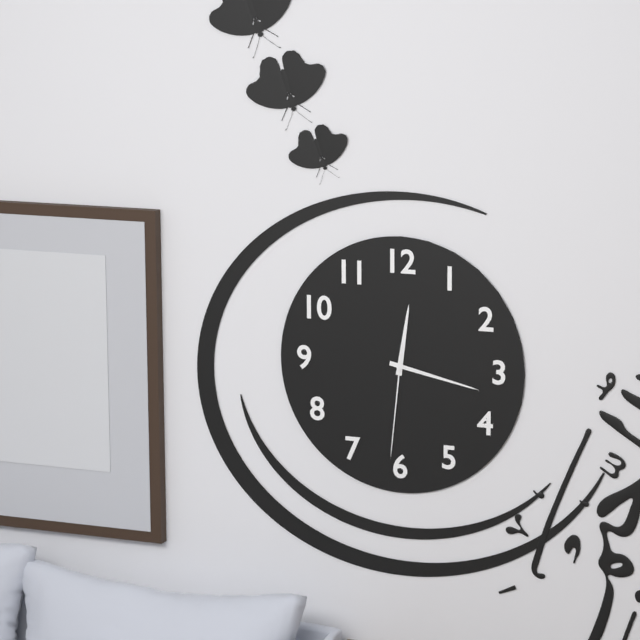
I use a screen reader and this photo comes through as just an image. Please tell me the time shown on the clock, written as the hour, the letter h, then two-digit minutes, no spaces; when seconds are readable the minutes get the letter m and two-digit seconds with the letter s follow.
12h17m31s
